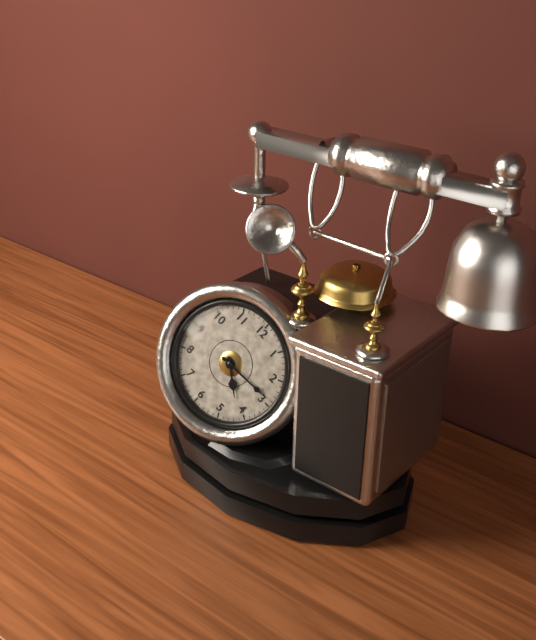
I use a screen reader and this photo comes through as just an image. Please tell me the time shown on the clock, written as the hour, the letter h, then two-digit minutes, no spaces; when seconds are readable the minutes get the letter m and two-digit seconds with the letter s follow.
4h14
